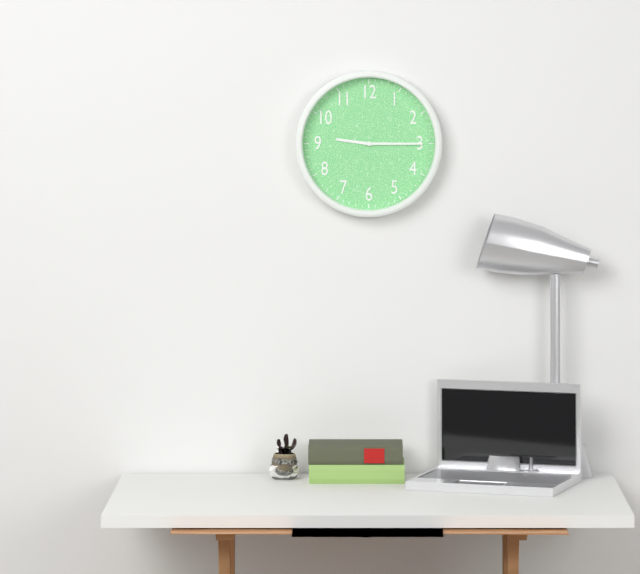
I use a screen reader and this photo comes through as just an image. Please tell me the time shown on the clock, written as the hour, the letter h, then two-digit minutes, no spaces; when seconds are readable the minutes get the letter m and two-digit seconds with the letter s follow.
9h15
